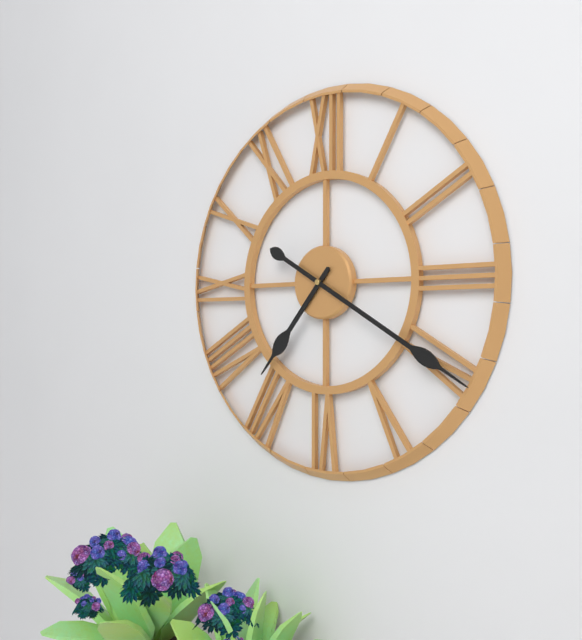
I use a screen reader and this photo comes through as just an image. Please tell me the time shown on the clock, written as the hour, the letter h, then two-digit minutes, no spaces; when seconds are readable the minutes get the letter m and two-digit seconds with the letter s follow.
7h20
